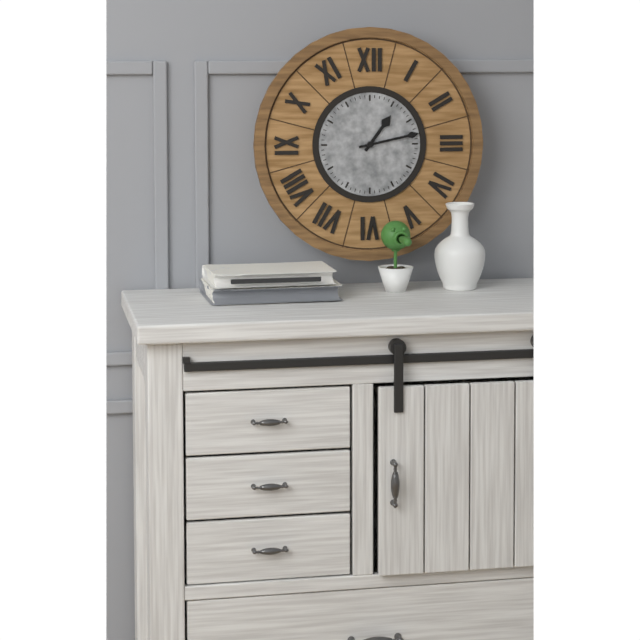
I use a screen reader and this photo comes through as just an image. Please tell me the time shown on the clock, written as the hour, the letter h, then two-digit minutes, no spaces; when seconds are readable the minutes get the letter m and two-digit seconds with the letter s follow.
1h13
